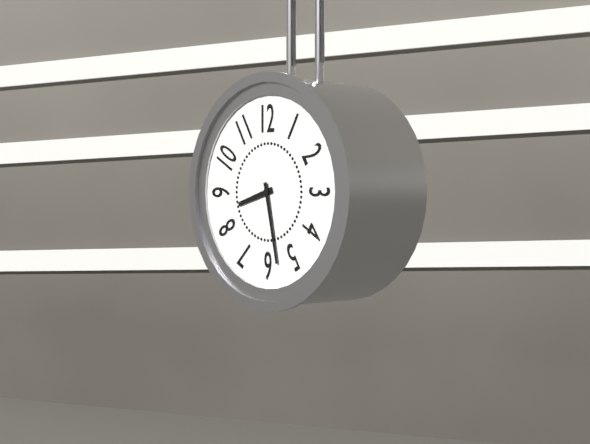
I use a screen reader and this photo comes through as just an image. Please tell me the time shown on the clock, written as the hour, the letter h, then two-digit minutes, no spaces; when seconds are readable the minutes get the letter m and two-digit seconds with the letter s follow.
8h28
